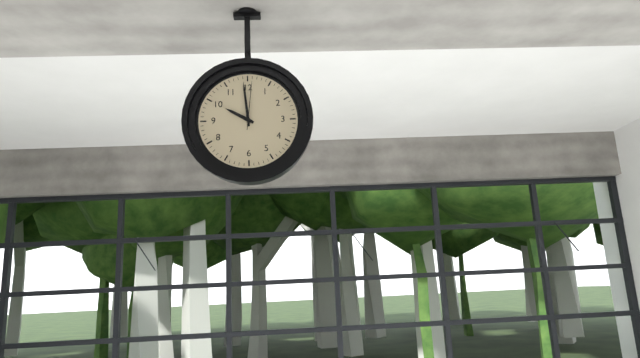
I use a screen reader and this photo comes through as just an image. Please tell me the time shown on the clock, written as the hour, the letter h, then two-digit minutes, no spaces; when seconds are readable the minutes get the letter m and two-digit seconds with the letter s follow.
9h59m01s
